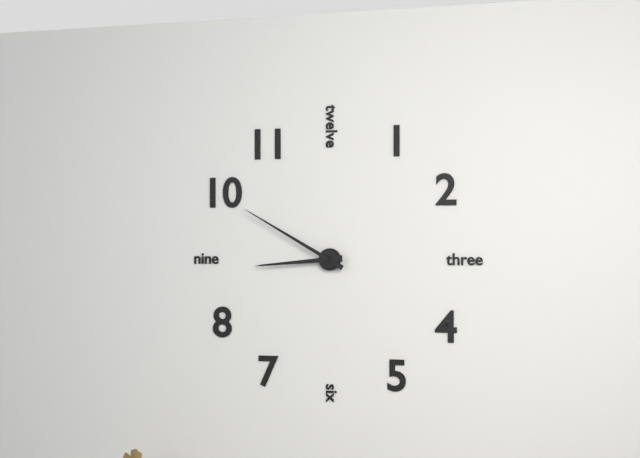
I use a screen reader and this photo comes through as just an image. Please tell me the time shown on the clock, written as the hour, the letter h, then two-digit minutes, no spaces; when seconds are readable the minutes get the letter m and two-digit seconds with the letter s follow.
8h50
